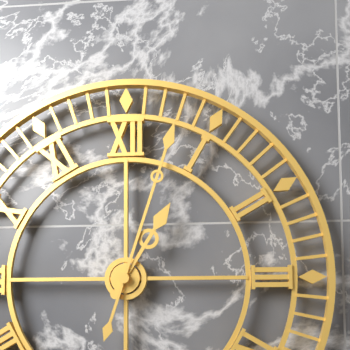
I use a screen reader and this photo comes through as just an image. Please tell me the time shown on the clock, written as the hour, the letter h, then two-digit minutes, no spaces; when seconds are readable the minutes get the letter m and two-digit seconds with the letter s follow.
1h03
